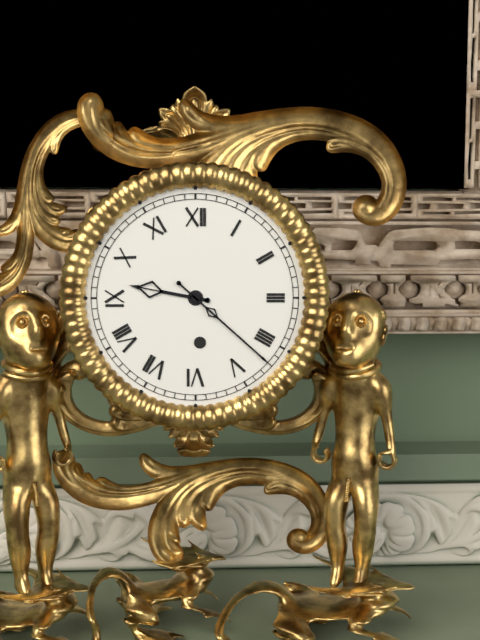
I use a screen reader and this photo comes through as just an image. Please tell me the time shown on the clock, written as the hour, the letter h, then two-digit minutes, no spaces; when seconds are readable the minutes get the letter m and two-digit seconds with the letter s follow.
9h22
